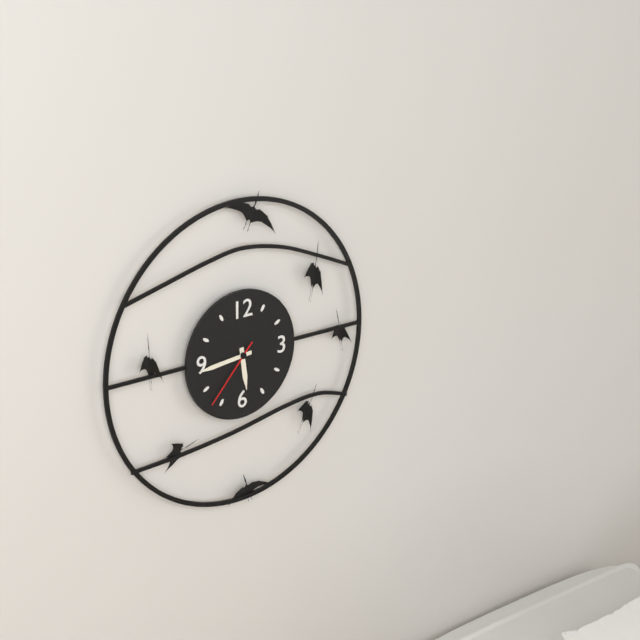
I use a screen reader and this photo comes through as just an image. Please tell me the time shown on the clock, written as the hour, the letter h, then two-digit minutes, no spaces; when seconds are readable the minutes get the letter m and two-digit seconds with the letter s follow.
5h44m37s
